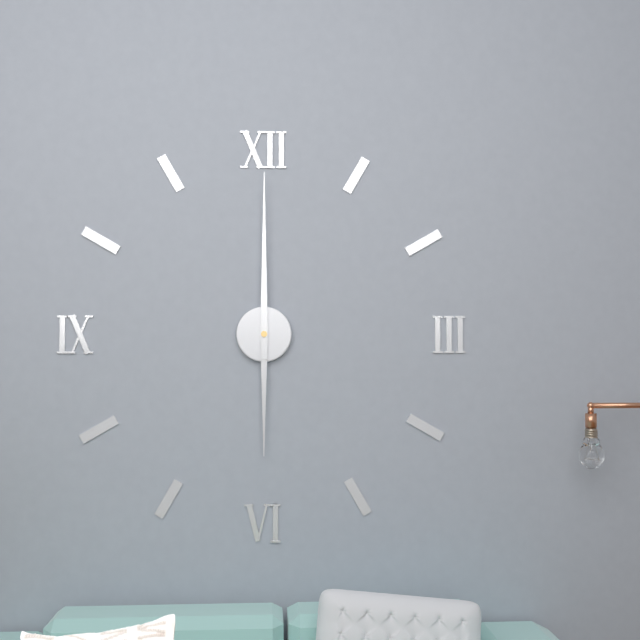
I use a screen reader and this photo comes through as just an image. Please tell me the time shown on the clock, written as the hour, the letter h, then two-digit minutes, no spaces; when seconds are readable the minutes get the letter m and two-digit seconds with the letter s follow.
6h00
